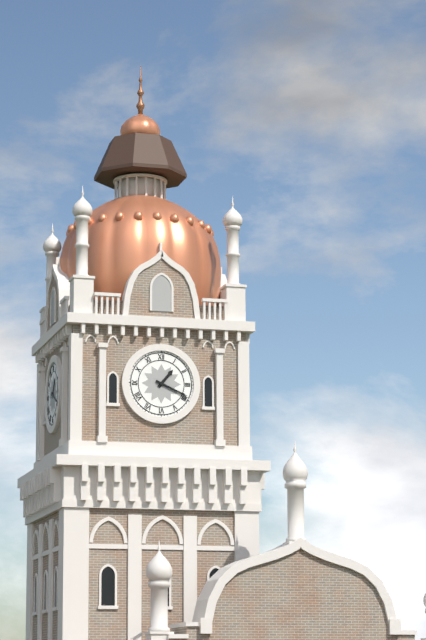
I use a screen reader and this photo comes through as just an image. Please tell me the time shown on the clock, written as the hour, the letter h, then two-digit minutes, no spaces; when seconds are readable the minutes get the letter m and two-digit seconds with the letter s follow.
1h19
